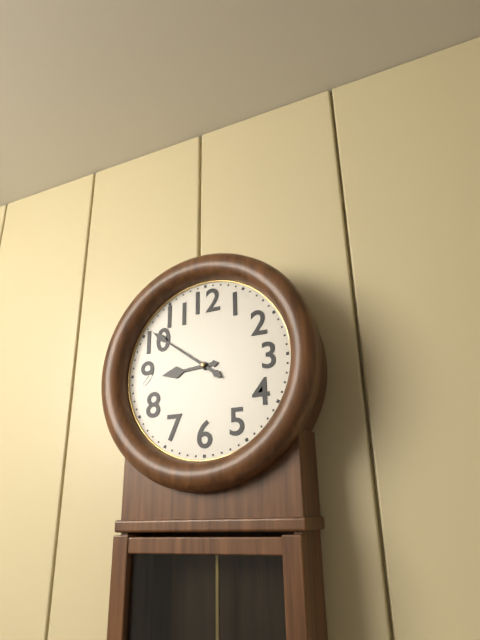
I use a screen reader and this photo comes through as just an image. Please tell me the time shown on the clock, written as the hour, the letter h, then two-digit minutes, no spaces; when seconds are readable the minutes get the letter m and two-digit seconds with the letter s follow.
8h51
